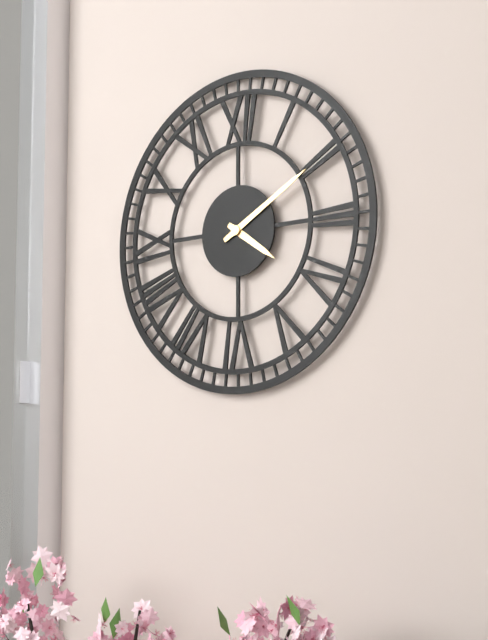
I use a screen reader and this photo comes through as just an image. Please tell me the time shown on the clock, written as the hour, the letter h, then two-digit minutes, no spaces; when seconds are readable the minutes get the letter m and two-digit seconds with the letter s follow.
4h10
